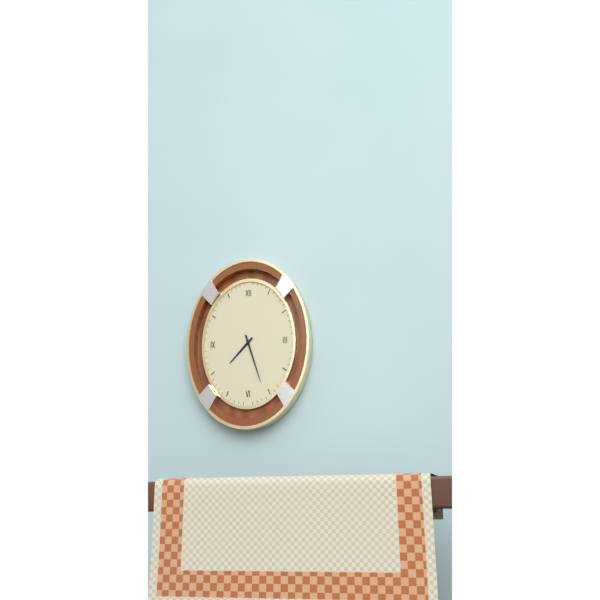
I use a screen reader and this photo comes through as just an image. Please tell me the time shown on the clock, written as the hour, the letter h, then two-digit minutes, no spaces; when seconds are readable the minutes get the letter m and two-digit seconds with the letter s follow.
7h27
